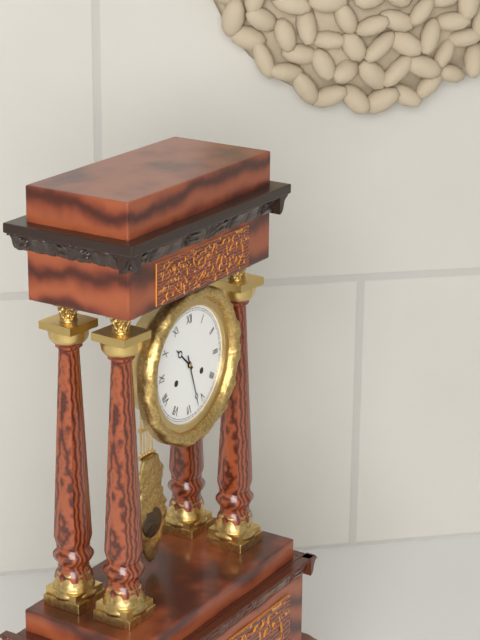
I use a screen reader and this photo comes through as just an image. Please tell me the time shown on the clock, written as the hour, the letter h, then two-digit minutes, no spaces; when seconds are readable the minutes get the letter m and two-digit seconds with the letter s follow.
10h27
